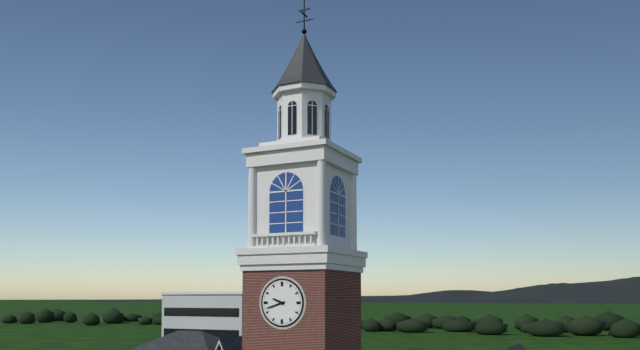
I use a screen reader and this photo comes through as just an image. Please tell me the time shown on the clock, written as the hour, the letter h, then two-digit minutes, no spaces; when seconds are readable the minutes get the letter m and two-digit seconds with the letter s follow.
9h42
